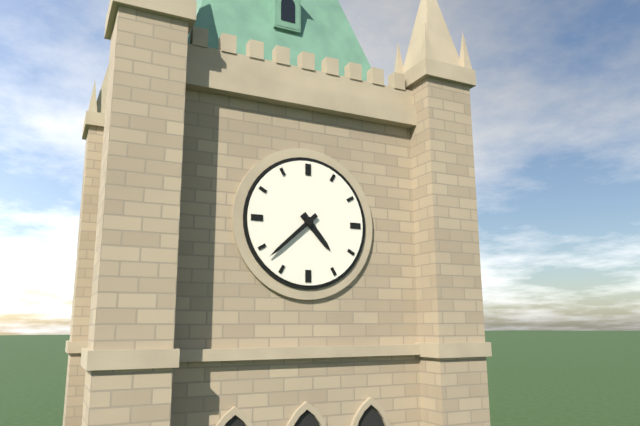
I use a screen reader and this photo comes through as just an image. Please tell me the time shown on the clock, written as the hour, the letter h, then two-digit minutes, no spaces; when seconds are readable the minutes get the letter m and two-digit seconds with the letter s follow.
4h38
